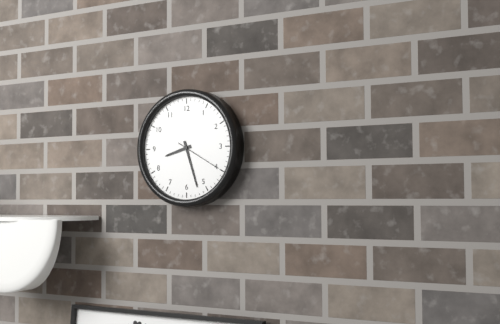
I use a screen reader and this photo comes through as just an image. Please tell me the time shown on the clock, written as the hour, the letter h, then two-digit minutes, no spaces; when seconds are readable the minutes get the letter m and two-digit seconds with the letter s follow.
8h27
